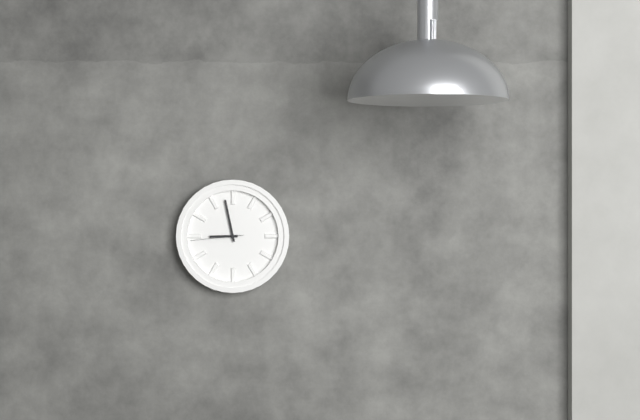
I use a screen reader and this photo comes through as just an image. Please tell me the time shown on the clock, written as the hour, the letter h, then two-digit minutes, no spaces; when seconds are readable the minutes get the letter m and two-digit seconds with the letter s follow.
8h58m44s
